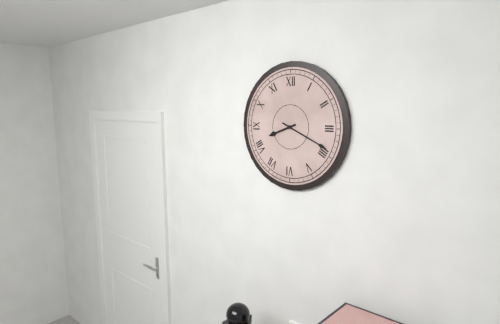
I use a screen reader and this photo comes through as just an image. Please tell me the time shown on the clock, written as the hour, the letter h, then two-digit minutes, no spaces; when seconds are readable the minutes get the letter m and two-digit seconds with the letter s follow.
8h19
